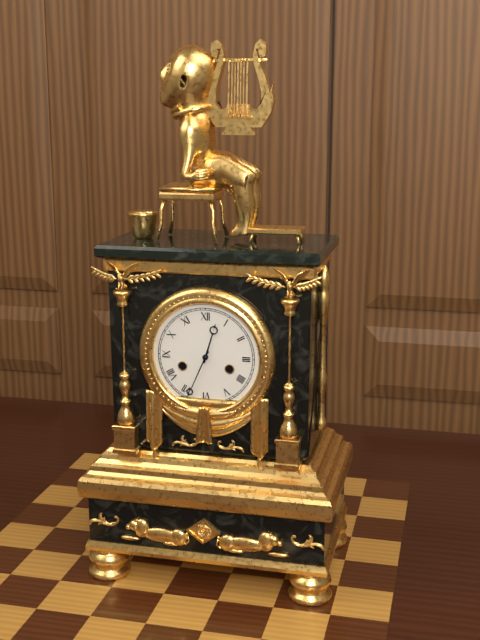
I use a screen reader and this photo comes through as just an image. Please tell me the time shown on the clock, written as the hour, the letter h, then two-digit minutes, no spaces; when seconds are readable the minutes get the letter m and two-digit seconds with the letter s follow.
12h34
